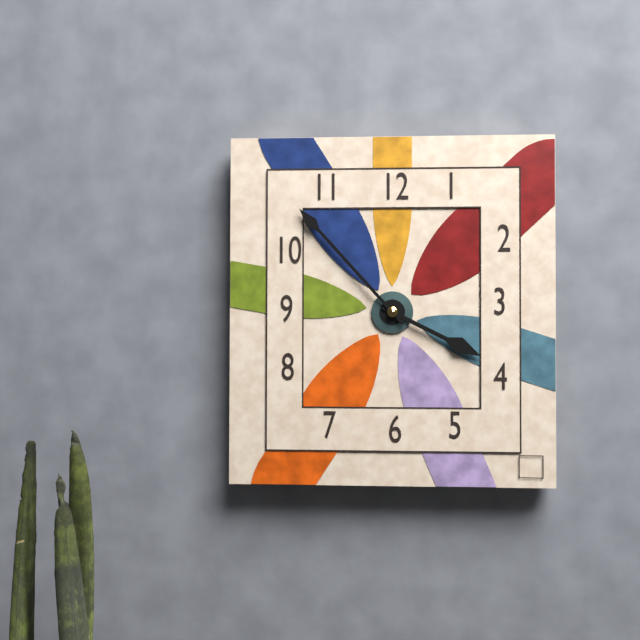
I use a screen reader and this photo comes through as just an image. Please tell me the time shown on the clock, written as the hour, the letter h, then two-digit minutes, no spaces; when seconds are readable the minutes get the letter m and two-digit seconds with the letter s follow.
3h53
